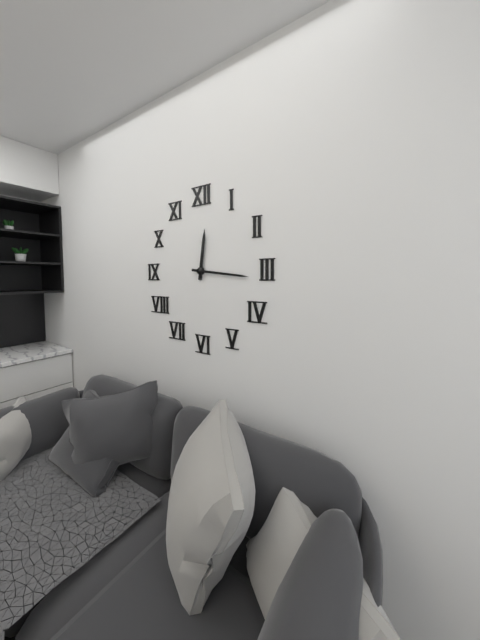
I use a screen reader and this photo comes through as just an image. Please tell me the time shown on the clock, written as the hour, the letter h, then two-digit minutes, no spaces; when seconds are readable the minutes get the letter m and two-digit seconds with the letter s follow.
12h16
